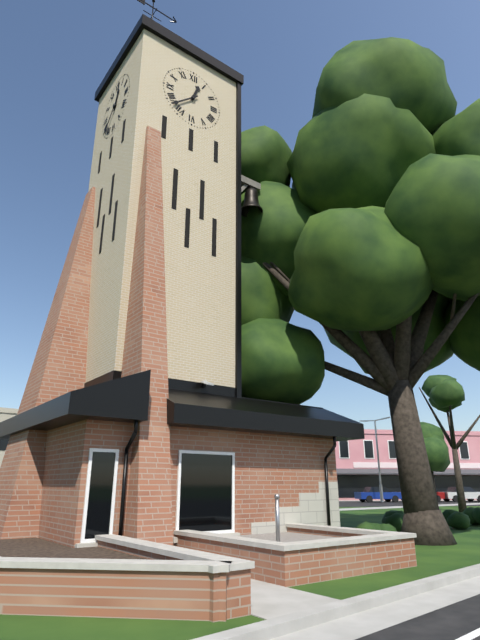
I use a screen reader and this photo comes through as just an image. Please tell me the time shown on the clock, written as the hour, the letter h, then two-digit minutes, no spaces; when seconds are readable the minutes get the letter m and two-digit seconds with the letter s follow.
12h38
